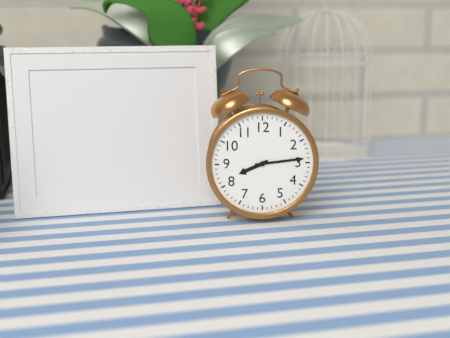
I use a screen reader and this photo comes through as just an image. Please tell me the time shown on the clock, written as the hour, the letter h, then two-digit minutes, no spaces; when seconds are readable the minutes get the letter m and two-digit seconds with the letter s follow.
8h14
